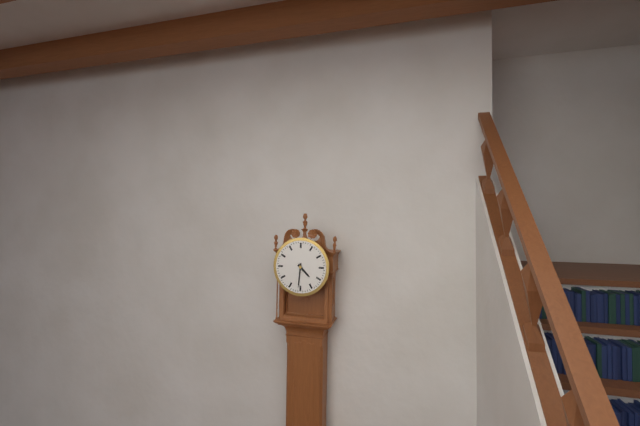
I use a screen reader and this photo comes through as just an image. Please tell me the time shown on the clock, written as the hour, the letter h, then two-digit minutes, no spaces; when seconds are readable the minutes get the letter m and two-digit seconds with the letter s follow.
4h31
